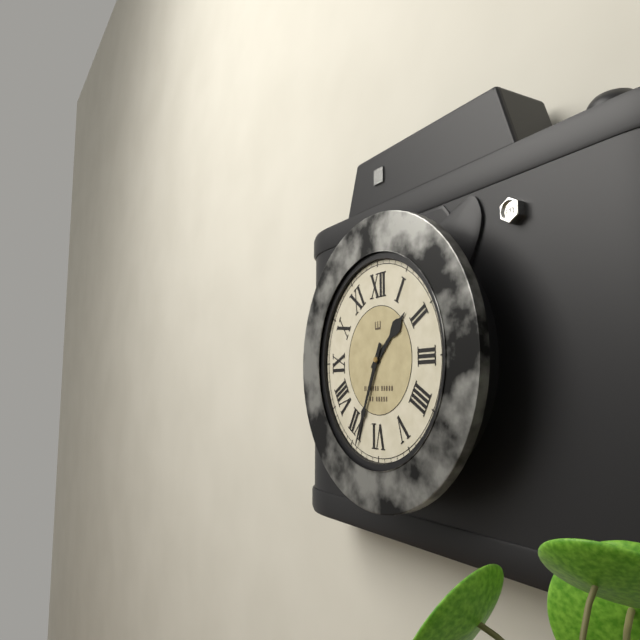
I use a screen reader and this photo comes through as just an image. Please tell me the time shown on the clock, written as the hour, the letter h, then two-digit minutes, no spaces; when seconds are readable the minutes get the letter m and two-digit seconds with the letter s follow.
1h34
